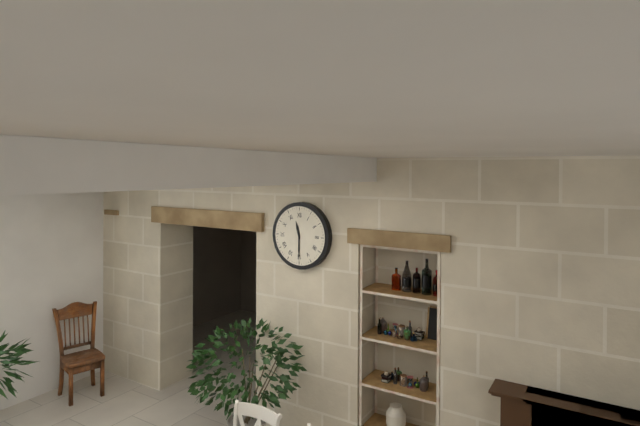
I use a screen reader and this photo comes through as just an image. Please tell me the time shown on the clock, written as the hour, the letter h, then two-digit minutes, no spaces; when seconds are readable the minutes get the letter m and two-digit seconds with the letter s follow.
11h30
